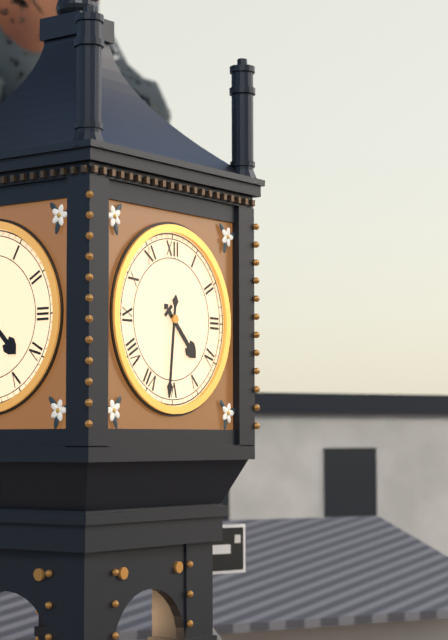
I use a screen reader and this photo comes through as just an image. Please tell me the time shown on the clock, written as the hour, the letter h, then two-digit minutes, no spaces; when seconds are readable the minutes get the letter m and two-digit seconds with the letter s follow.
4h31
